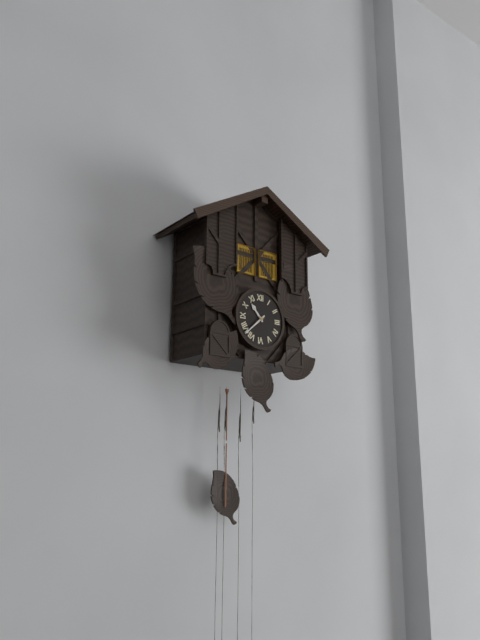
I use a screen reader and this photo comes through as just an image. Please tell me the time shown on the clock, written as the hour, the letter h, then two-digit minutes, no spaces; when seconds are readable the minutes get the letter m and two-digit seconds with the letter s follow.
10h38
